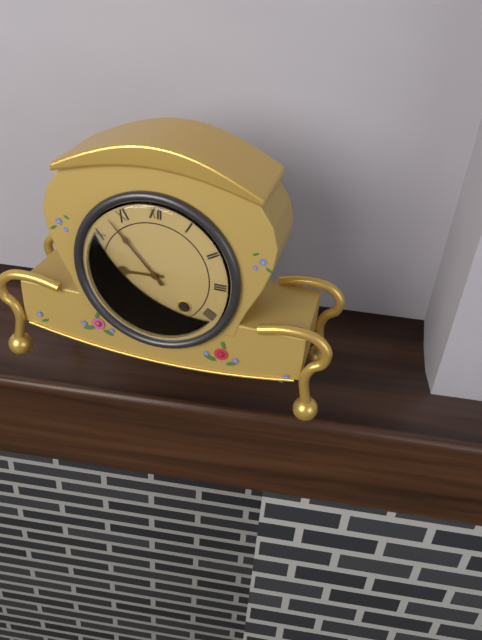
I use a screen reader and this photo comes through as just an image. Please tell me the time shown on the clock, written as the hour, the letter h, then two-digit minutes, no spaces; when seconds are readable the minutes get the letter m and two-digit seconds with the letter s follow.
8h53
